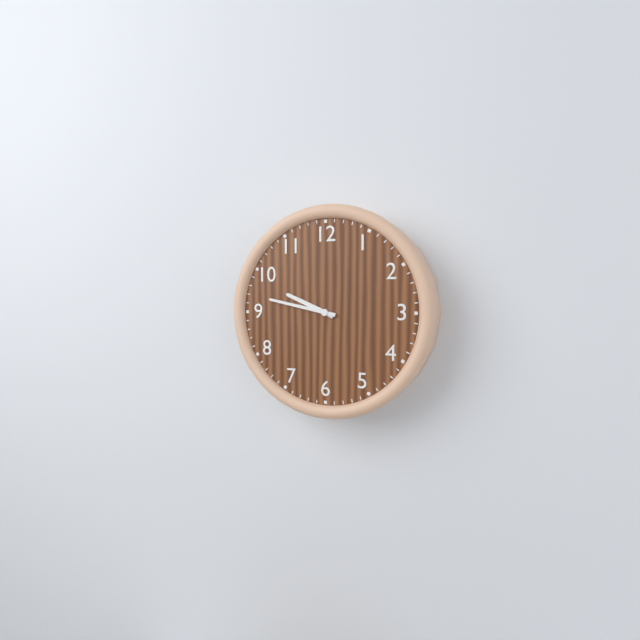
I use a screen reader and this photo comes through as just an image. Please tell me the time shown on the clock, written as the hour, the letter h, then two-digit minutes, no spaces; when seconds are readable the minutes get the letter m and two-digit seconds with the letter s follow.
9h47
